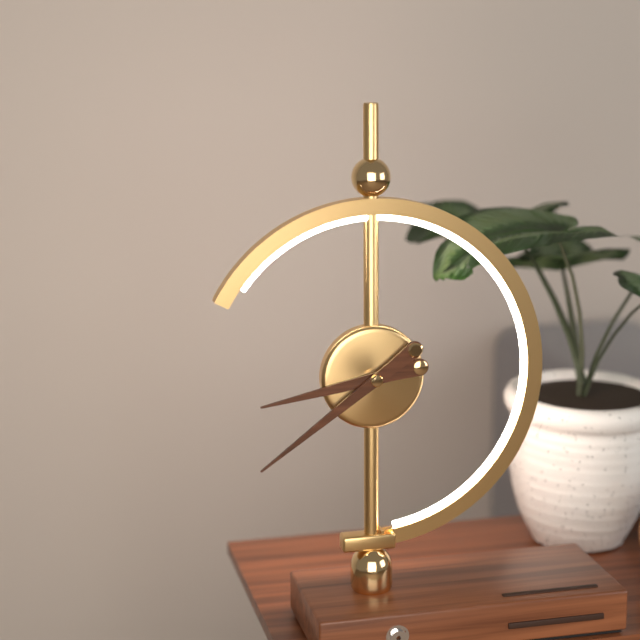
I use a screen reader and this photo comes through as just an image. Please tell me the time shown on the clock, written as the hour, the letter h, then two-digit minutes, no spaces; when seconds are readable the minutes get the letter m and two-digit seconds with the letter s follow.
8h39
